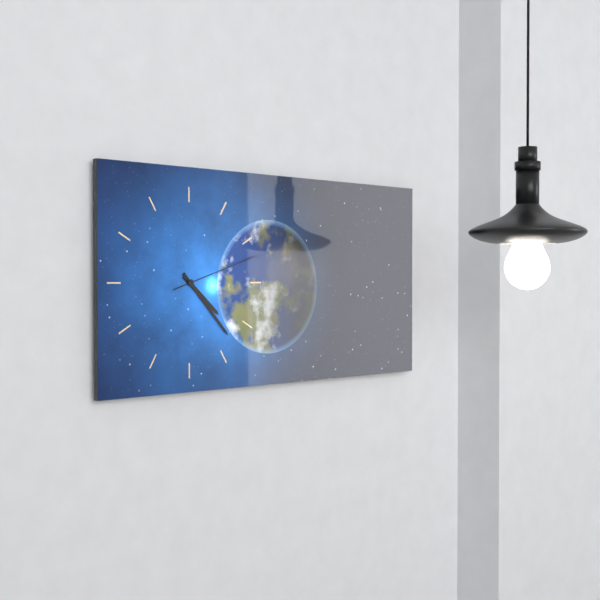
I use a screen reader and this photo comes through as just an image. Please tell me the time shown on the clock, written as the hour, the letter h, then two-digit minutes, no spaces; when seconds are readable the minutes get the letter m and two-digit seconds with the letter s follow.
4h23m12s
